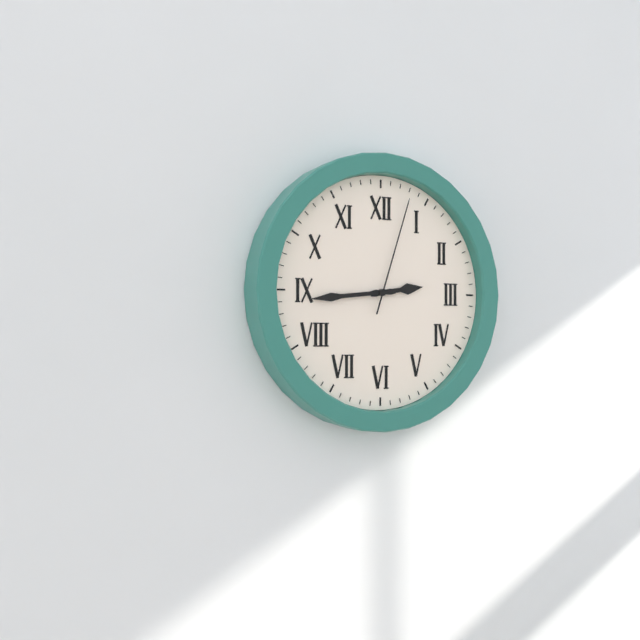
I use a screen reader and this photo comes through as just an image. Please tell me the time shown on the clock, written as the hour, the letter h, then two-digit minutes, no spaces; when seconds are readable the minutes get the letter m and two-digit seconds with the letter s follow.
2h44m03s
